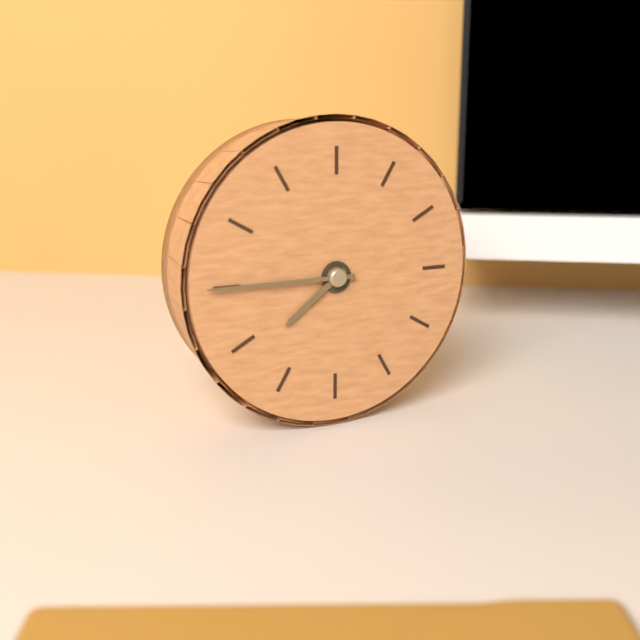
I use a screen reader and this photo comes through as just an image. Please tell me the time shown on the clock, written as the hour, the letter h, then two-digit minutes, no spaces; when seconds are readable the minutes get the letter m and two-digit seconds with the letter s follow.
7h45
